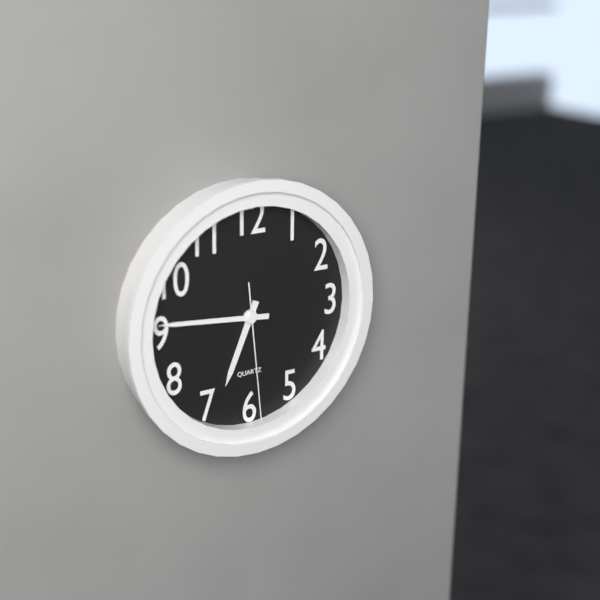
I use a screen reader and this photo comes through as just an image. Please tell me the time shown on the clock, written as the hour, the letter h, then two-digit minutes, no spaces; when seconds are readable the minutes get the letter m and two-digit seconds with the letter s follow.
6h46m29s
